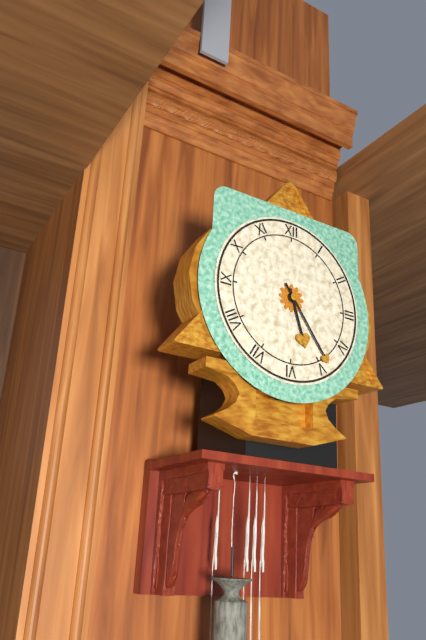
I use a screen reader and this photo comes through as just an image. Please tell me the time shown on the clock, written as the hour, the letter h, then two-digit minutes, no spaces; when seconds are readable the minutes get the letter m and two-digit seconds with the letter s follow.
5h24
